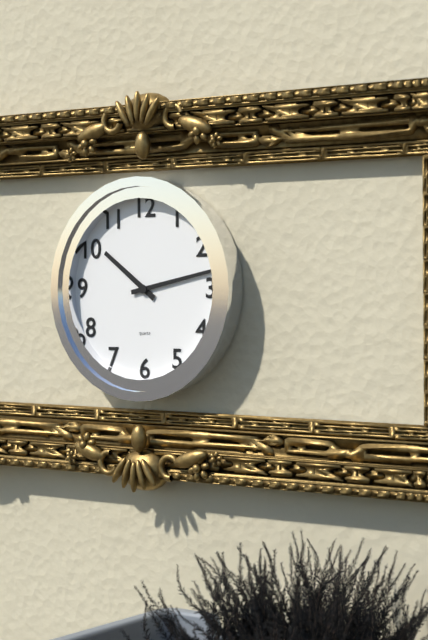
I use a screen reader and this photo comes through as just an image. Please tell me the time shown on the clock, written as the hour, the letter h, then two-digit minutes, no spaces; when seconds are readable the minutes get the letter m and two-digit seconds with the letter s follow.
10h13
